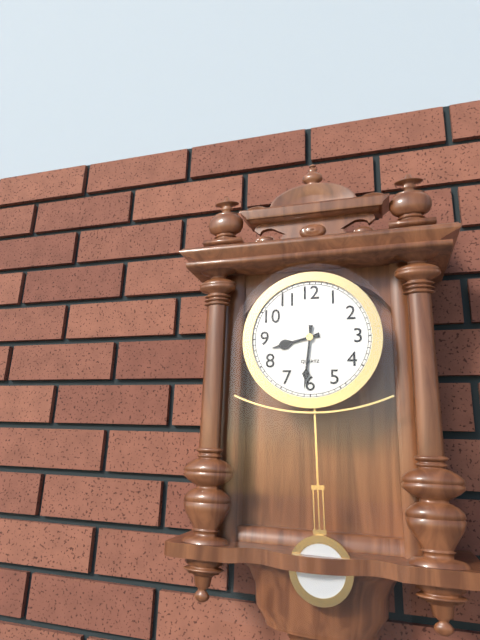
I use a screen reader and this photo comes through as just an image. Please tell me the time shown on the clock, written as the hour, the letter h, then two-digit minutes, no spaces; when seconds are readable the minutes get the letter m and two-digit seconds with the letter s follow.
8h31
